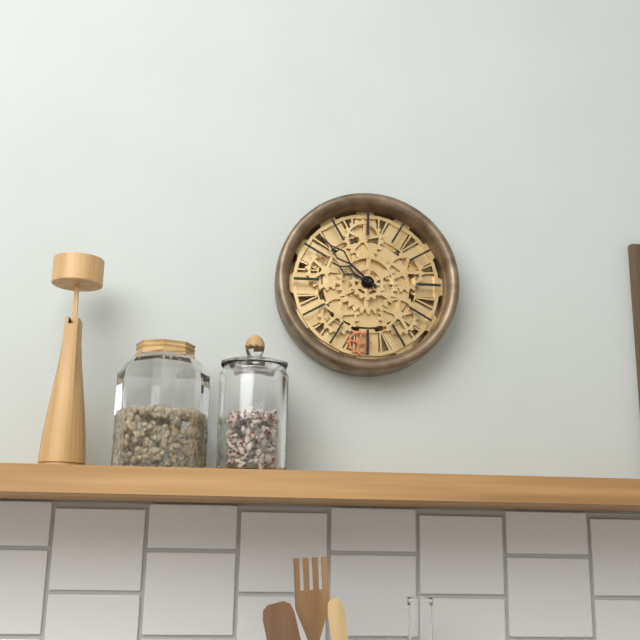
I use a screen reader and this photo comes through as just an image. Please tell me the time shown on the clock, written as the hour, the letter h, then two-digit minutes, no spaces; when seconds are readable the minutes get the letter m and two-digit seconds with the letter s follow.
9h52
